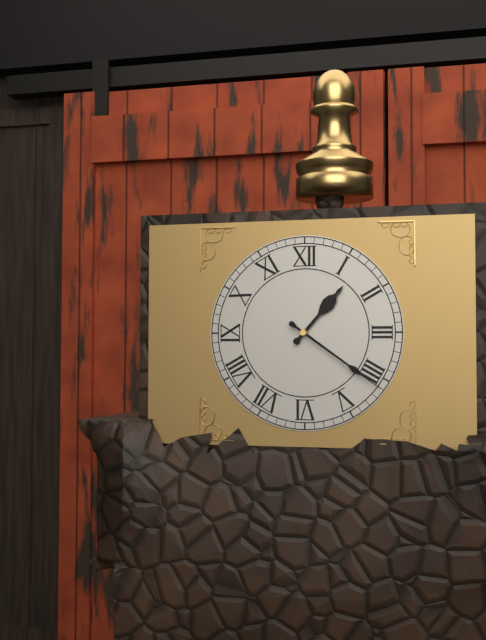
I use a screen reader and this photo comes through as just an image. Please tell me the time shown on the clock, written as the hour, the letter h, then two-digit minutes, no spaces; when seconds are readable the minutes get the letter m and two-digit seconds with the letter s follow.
1h21
